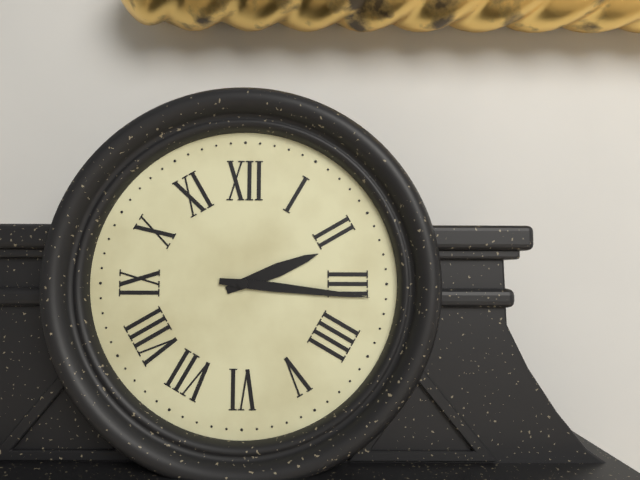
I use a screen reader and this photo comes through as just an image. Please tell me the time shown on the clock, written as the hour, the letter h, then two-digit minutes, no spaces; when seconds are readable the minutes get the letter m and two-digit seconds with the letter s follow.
2h16
